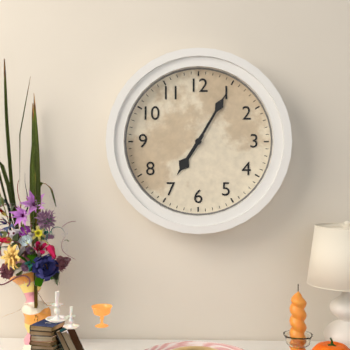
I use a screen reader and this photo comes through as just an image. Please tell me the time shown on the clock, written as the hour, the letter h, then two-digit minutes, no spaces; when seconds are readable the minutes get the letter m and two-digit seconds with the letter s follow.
7h05
